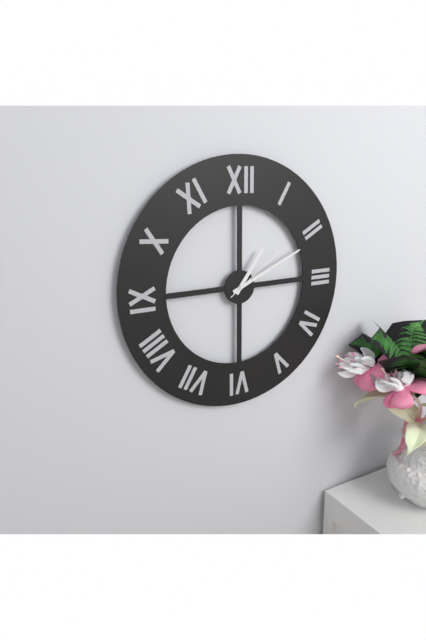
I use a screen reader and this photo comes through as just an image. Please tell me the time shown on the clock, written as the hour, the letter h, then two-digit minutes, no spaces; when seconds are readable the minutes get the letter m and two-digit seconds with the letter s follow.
1h11m09s
